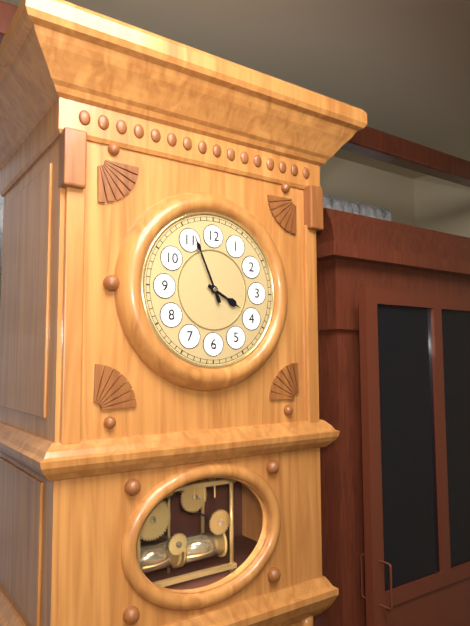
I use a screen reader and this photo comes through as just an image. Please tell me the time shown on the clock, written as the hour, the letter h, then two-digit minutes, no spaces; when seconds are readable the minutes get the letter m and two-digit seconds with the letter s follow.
3h56
